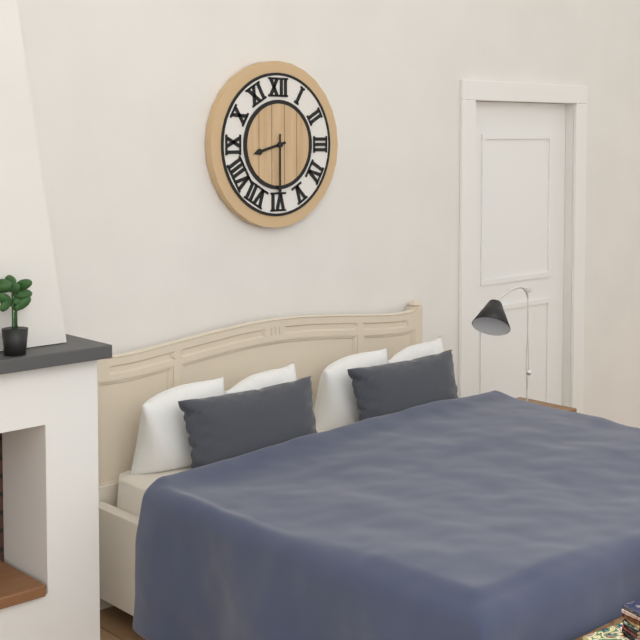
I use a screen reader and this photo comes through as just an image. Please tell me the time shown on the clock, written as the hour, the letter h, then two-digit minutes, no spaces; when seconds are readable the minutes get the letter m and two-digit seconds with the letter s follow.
8h30
